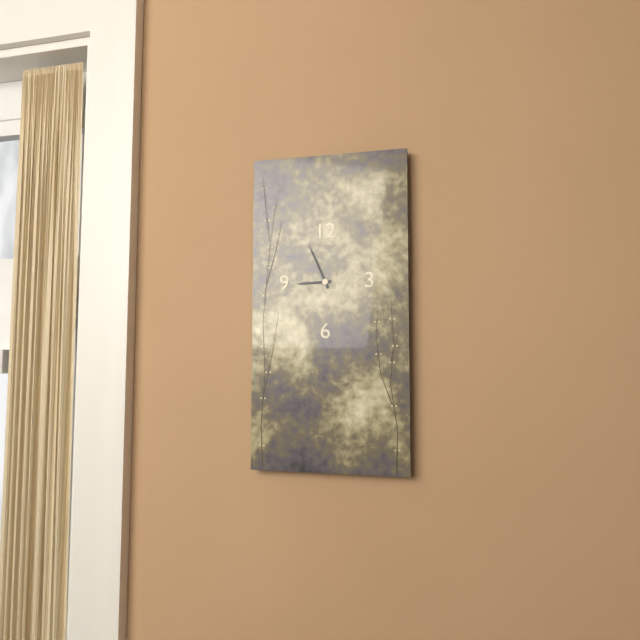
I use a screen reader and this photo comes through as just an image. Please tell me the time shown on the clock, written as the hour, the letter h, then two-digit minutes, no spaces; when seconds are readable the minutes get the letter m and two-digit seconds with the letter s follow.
8h56
